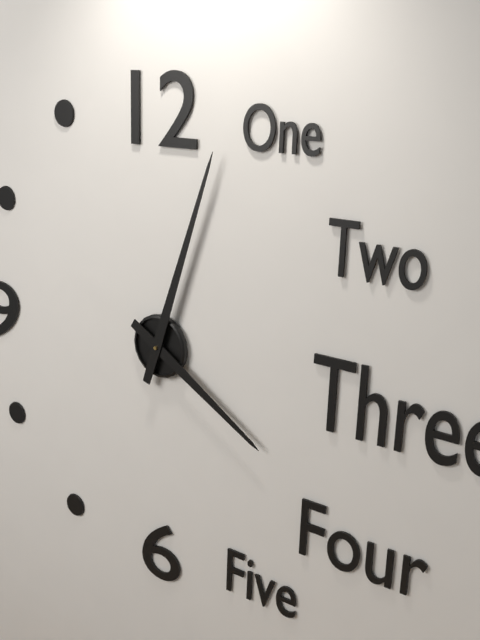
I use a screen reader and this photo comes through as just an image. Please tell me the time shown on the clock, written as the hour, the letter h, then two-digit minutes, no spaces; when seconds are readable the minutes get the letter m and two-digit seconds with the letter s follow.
4h03
